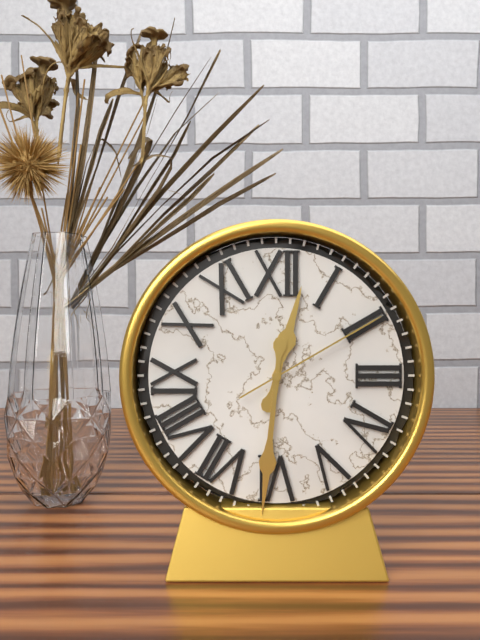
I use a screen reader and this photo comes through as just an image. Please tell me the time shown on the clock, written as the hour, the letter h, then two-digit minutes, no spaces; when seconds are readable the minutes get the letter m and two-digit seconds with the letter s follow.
12h31m10s
